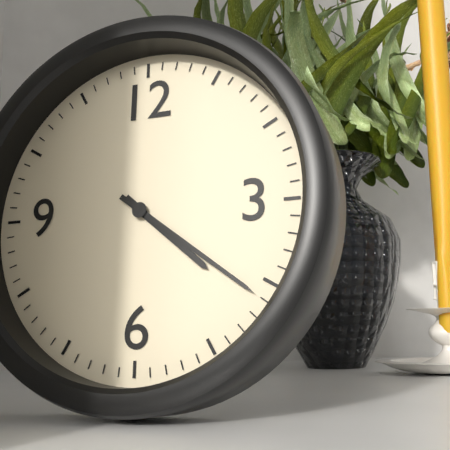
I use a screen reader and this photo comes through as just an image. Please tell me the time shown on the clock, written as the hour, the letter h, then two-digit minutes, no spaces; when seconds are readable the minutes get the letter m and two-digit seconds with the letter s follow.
4h21
